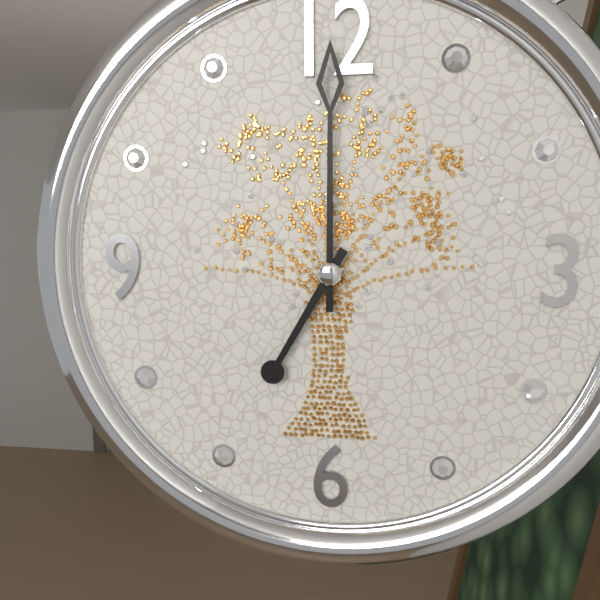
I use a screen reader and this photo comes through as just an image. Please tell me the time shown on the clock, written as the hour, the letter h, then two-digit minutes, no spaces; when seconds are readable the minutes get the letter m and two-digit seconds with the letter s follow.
7h00
